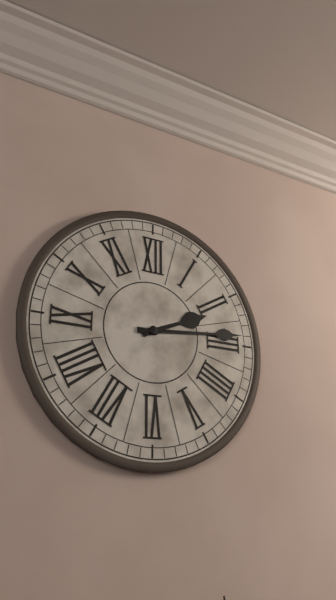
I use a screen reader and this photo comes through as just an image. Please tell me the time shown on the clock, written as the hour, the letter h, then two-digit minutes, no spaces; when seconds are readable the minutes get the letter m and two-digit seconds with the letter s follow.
2h14
